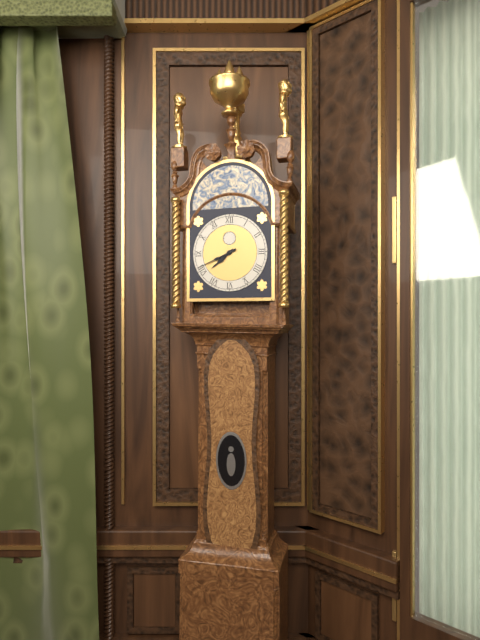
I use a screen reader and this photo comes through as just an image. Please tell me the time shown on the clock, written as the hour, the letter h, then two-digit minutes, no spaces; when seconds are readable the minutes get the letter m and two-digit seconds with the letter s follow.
7h41
